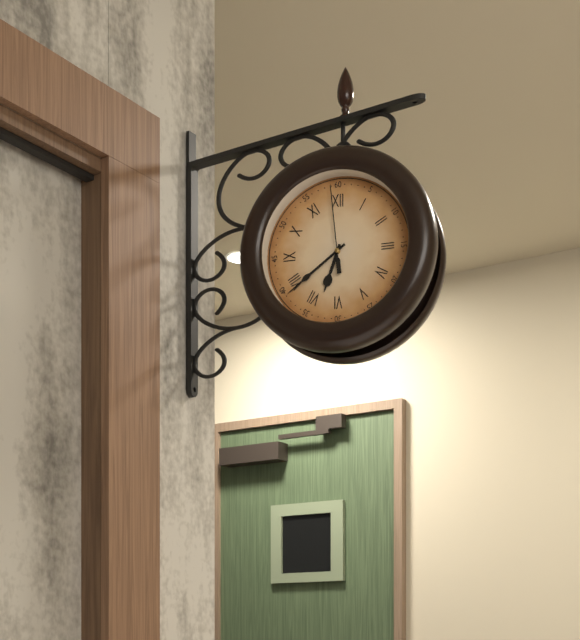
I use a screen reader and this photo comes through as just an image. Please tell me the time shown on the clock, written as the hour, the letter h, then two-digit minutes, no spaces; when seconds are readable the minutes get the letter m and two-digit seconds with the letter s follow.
6h39m59s
